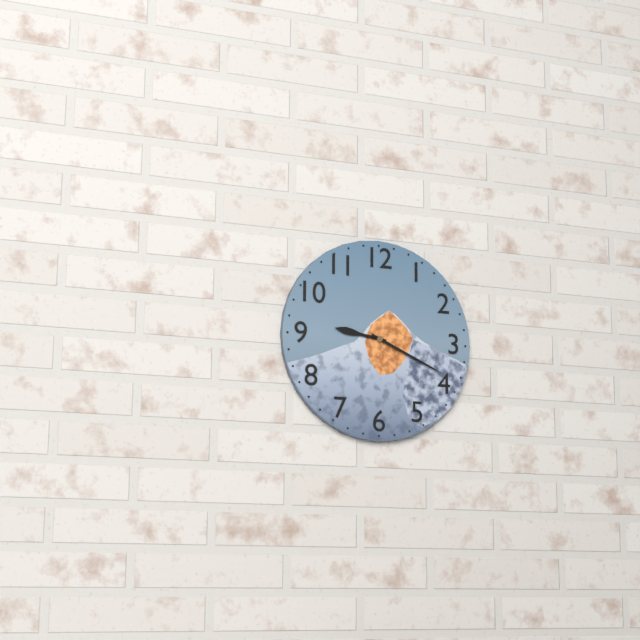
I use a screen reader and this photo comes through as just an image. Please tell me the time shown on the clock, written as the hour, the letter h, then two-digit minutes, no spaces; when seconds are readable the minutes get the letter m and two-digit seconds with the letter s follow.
9h19
